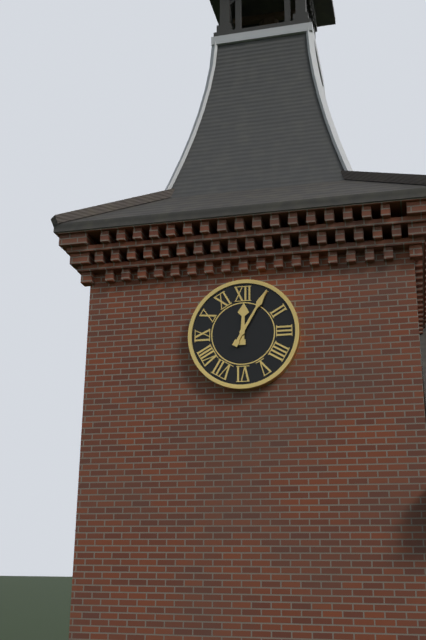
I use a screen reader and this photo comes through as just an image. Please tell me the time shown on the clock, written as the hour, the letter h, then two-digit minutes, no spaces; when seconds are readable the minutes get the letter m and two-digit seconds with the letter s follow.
12h05
